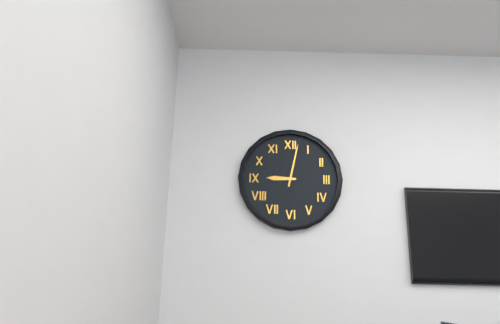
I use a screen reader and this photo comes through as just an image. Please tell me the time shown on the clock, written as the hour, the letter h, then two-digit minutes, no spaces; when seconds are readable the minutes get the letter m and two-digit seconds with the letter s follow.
9h02
